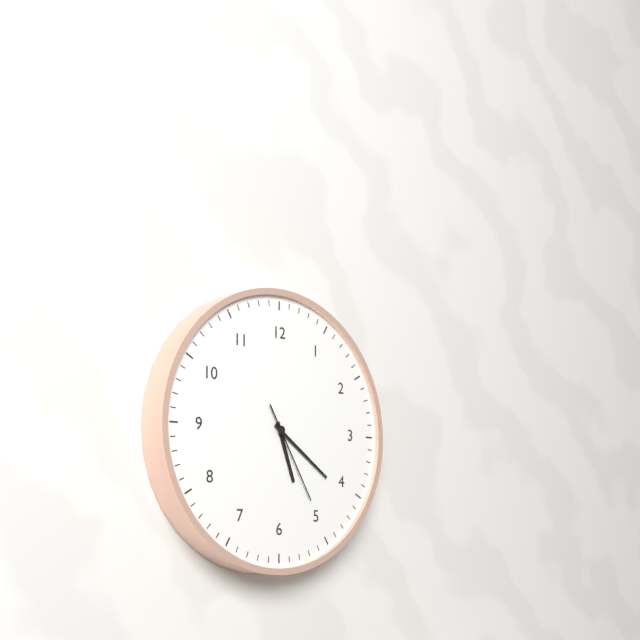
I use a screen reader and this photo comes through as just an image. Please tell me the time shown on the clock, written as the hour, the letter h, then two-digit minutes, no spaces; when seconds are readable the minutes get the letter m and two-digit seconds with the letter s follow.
5h21m25s
